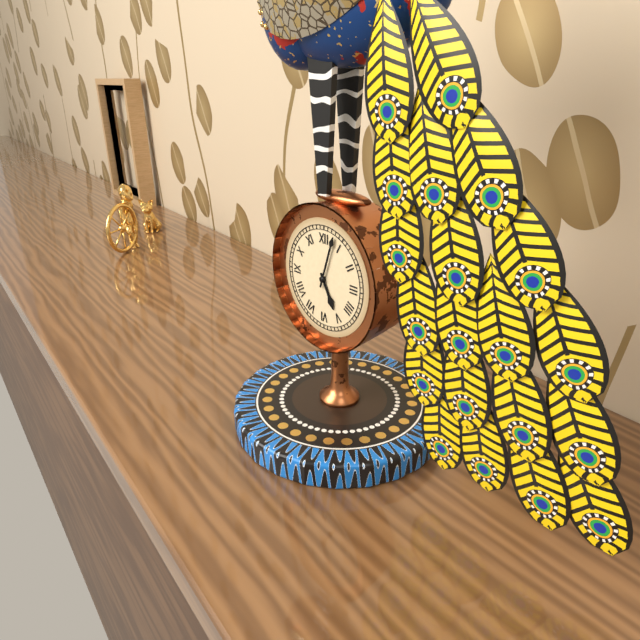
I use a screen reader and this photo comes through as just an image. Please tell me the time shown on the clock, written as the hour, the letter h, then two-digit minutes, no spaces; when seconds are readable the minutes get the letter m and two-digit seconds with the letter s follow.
5h03
